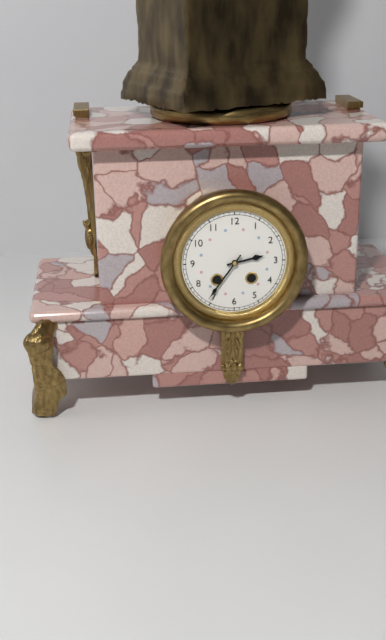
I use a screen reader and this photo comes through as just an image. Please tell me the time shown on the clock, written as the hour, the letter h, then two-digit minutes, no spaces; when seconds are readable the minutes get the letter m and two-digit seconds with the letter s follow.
2h36
